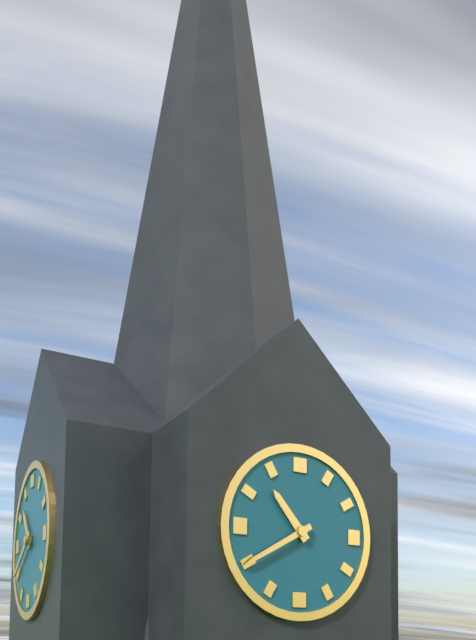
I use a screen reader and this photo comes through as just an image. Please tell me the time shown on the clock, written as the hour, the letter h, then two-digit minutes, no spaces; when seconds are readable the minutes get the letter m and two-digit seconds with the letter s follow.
10h40
